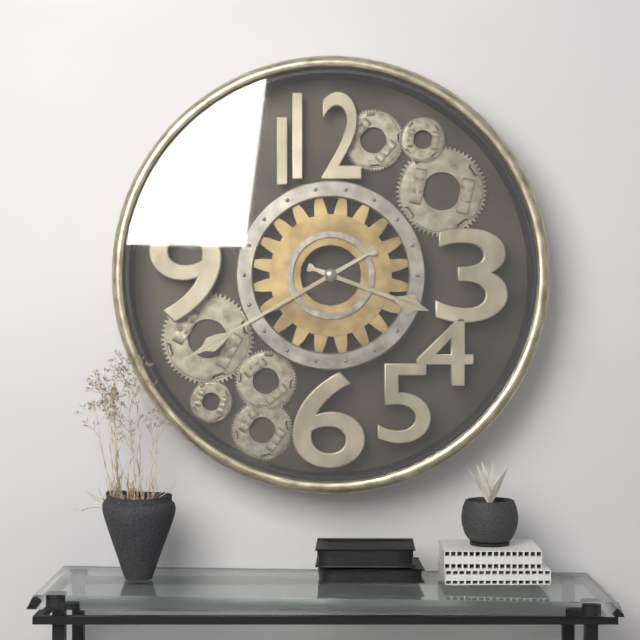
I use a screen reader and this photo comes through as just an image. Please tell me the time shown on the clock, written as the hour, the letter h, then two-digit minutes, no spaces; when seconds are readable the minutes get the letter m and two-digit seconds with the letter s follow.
3h40
